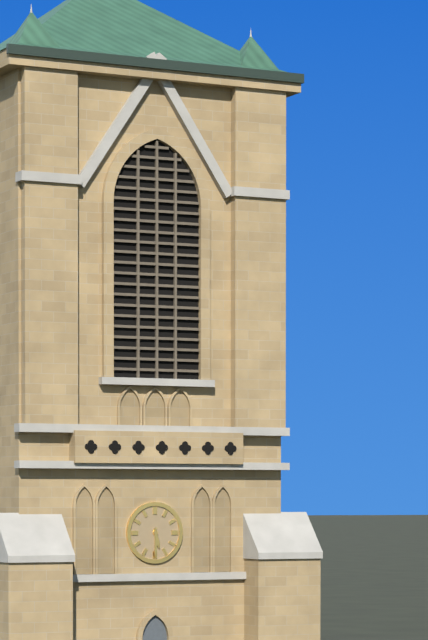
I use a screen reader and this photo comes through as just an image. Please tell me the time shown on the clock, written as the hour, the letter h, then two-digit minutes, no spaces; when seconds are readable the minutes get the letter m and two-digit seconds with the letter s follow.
5h30
